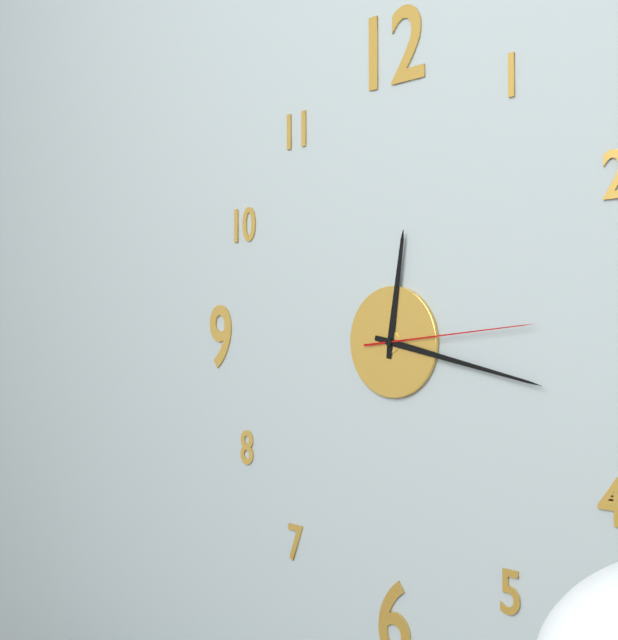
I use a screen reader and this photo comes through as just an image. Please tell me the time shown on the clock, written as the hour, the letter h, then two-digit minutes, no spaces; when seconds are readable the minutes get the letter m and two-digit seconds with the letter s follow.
12h17m14s
